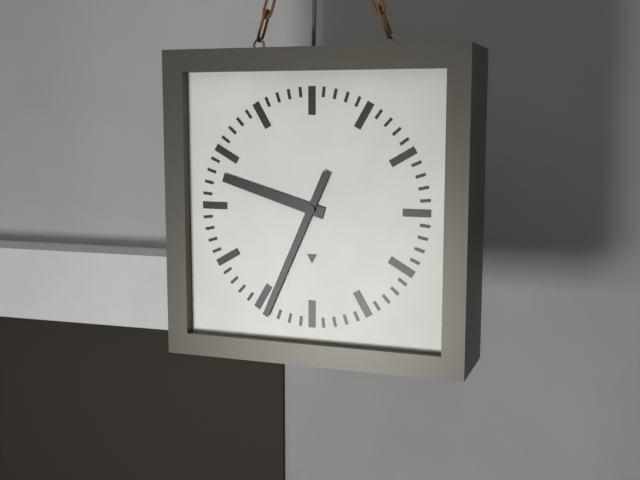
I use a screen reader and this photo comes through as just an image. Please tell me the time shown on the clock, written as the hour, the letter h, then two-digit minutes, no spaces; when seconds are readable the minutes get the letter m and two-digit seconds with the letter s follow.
9h34
